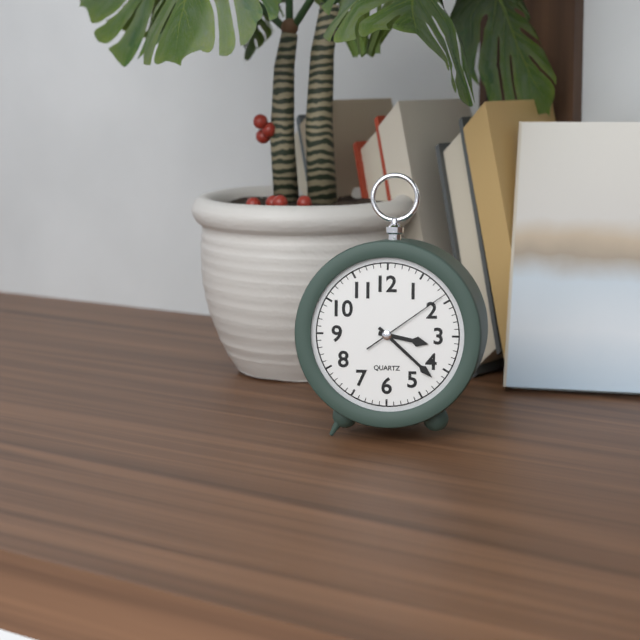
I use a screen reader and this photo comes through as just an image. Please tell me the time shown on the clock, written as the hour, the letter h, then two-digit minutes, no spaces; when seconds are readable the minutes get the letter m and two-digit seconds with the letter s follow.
3h22m09s
